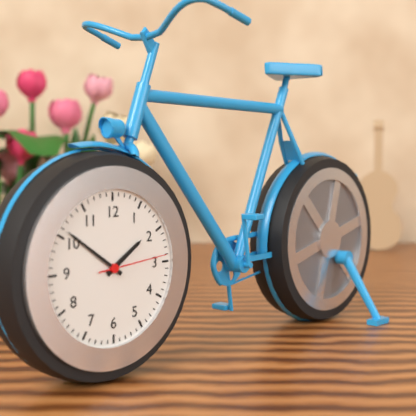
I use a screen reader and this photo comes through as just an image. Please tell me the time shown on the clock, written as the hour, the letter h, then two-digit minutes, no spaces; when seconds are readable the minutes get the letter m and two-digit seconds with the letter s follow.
1h51m14s
